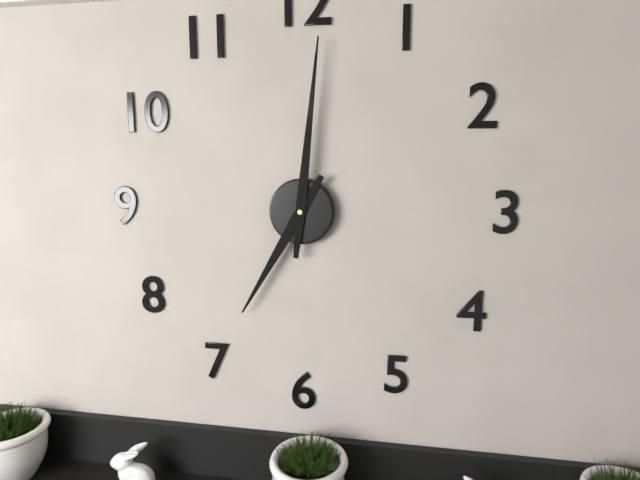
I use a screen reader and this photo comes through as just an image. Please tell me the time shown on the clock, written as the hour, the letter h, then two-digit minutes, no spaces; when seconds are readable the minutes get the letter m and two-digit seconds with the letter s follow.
7h01
